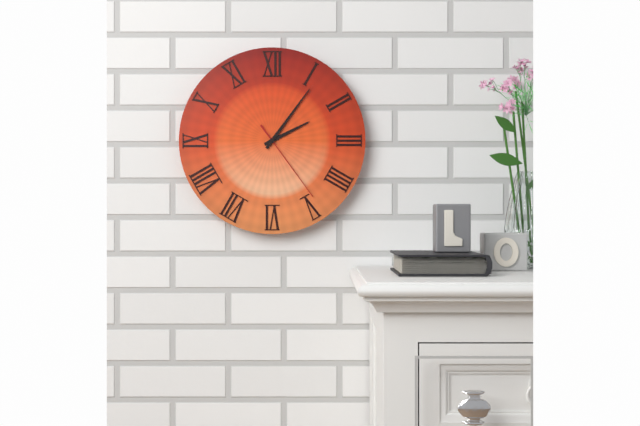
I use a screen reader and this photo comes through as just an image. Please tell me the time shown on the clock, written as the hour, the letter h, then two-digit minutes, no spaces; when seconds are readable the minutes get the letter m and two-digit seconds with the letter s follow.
2h06m24s
